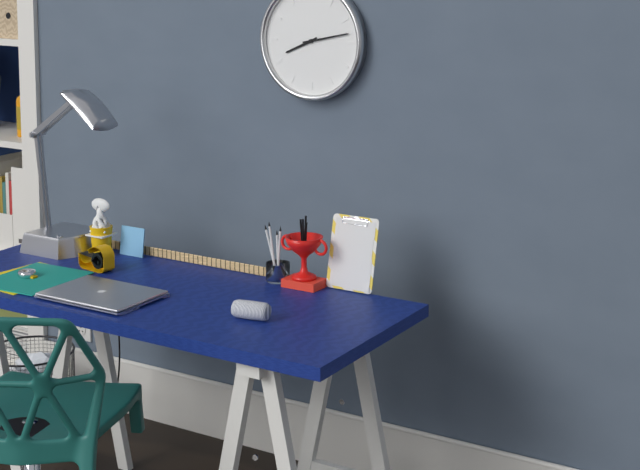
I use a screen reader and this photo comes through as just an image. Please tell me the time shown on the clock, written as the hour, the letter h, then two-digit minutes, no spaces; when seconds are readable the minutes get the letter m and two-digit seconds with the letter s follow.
8h13
